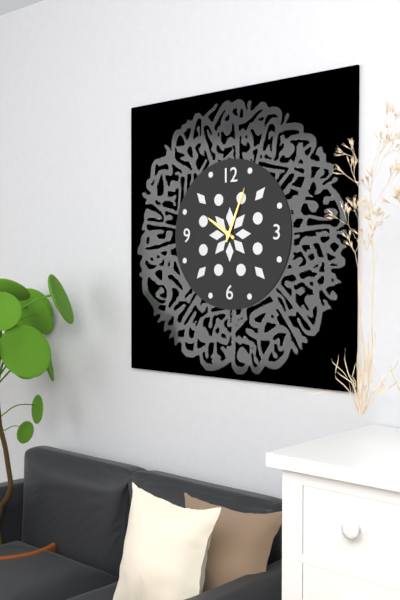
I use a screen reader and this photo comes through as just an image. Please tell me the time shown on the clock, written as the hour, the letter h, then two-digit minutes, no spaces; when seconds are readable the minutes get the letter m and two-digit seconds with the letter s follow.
10h04
